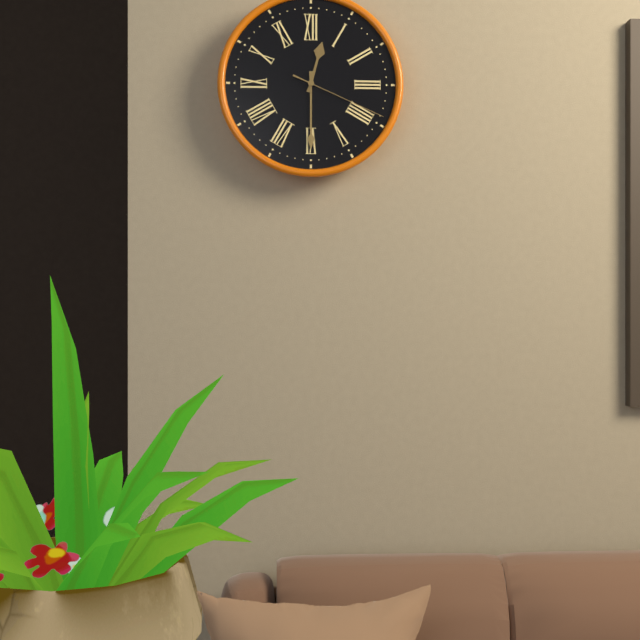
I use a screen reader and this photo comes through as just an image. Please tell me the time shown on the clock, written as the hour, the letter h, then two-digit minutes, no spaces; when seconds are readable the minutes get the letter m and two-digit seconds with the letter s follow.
12h30m19s
